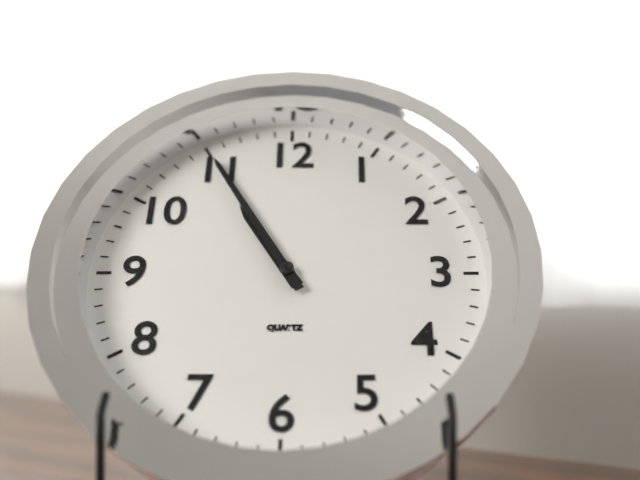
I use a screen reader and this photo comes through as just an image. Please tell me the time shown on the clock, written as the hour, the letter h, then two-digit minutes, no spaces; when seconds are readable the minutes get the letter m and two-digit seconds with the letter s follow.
10h55
